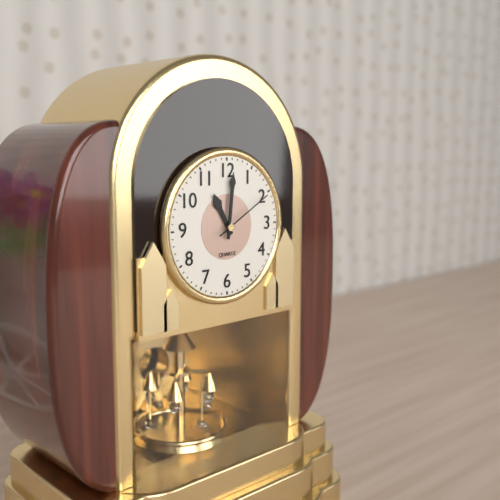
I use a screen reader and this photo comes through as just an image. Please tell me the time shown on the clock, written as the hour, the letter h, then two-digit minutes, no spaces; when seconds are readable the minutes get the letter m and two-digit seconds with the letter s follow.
11h01m10s
